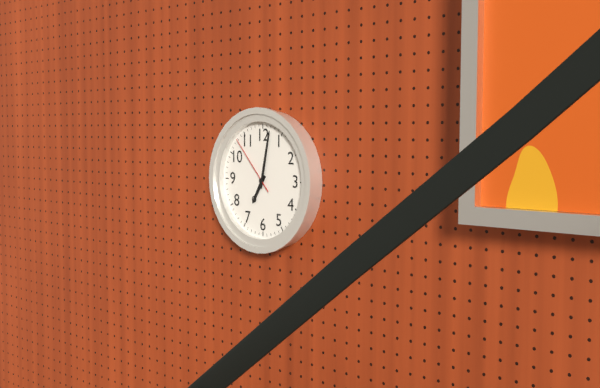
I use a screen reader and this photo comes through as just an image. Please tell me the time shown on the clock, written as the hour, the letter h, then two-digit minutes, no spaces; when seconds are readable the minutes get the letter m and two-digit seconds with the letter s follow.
7h02m53s
